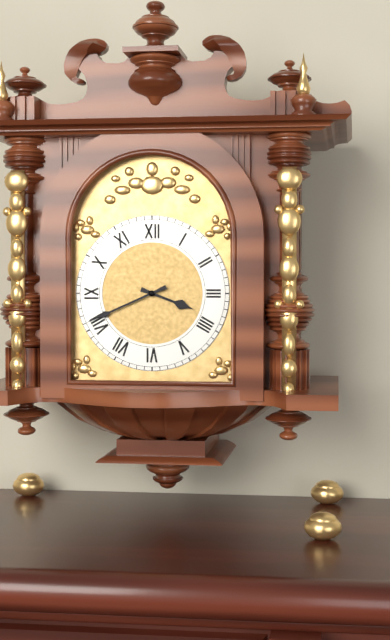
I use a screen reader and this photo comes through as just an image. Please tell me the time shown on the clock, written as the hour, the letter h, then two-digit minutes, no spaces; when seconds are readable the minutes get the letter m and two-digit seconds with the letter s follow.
3h41
